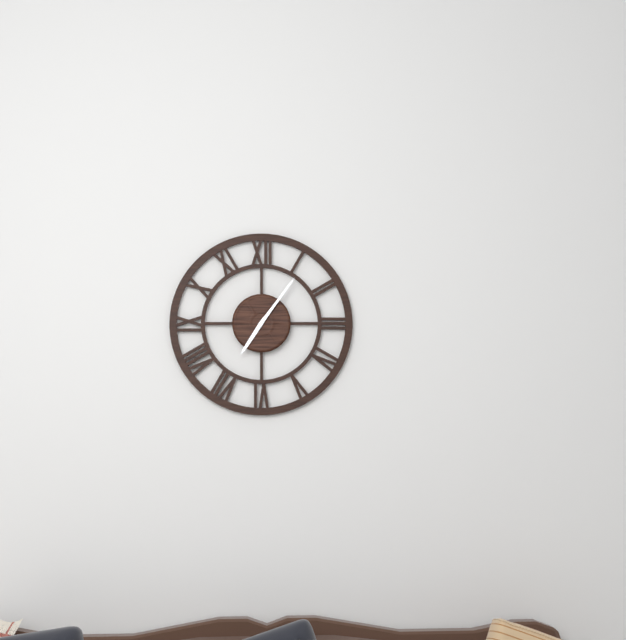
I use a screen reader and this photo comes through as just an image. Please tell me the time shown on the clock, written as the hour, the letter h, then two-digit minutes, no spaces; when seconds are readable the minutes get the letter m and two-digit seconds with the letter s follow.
7h06
